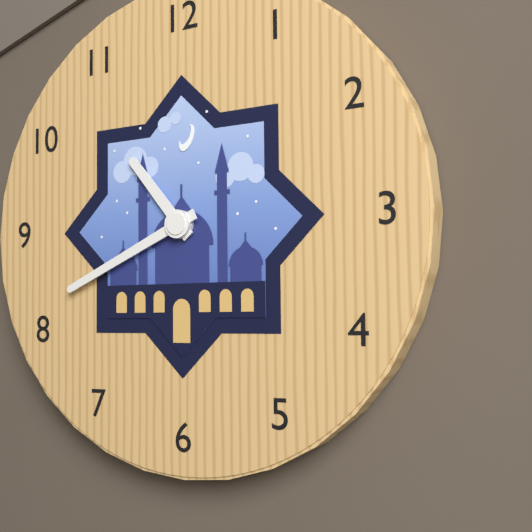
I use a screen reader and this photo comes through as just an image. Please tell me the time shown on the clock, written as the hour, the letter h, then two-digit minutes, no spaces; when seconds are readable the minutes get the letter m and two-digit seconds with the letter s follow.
10h41
